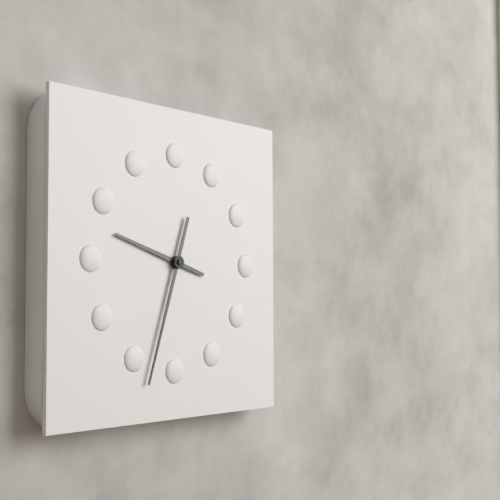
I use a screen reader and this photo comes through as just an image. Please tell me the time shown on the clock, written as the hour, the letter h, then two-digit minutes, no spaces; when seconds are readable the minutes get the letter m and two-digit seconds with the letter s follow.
9h33
